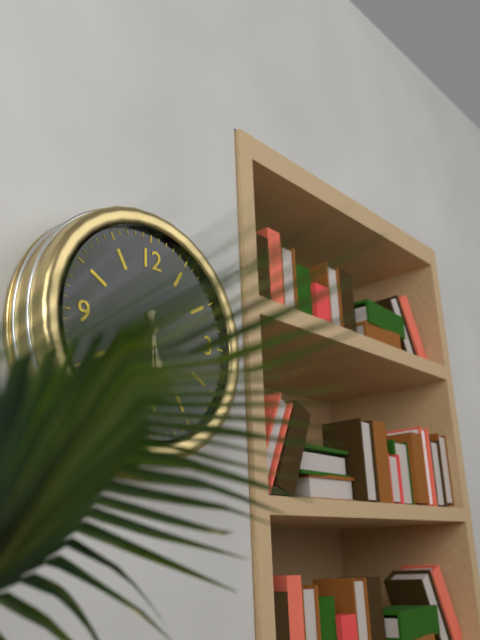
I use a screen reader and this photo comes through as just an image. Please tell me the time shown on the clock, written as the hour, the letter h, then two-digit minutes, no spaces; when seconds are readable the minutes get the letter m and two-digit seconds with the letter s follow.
5h30m28s
